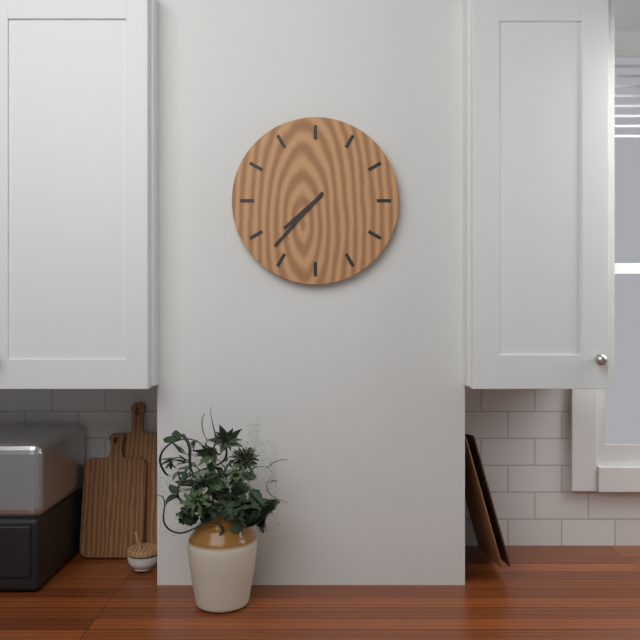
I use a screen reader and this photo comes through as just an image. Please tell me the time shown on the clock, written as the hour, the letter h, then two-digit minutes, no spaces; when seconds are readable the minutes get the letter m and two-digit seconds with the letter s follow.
7h37
